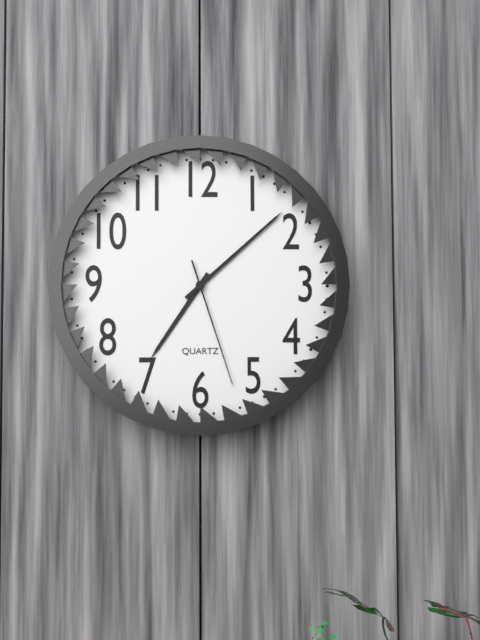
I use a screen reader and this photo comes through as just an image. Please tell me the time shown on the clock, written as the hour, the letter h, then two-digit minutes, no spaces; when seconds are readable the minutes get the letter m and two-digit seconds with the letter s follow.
7h08m27s
